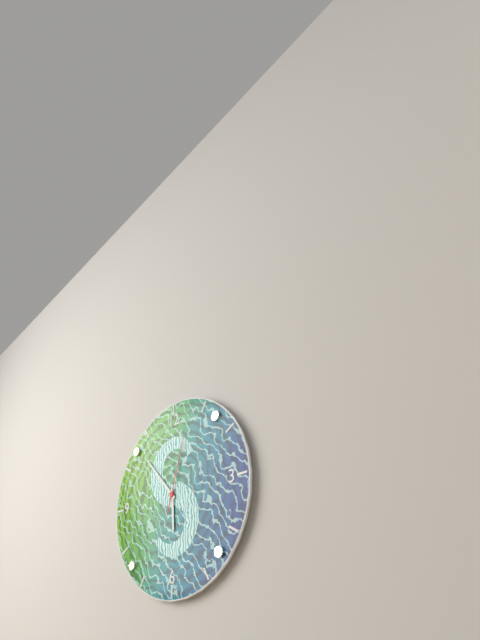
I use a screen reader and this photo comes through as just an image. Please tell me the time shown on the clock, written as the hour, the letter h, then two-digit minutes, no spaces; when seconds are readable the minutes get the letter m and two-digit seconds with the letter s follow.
5h53m03s
